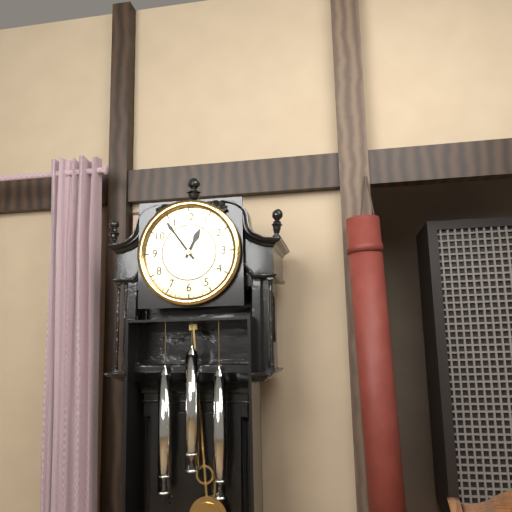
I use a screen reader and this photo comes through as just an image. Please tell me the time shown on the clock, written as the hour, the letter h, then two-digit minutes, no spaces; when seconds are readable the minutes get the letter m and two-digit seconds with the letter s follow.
12h54
